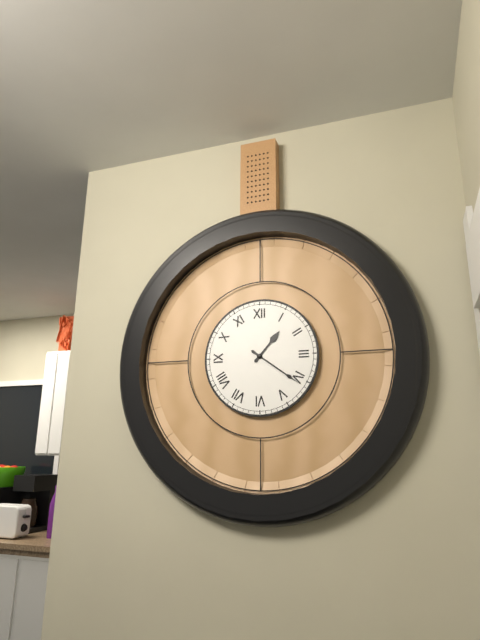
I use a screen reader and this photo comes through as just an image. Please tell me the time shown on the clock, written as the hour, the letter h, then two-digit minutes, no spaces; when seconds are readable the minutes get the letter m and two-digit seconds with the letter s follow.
1h21
